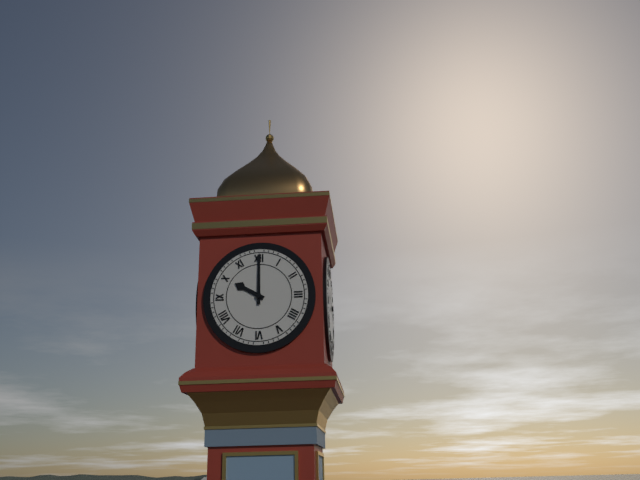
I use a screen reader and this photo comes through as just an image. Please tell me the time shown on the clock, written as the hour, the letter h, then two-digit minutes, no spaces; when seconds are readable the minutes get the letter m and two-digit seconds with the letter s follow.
10h00
